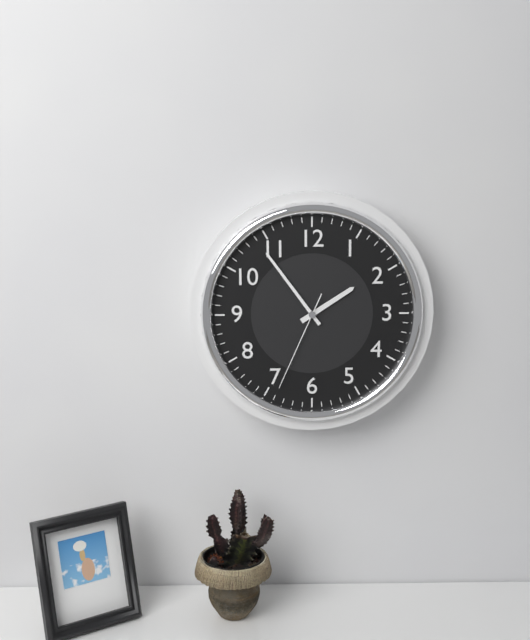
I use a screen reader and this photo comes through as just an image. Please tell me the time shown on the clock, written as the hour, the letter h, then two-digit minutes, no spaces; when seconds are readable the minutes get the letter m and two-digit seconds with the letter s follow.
1h54m34s
